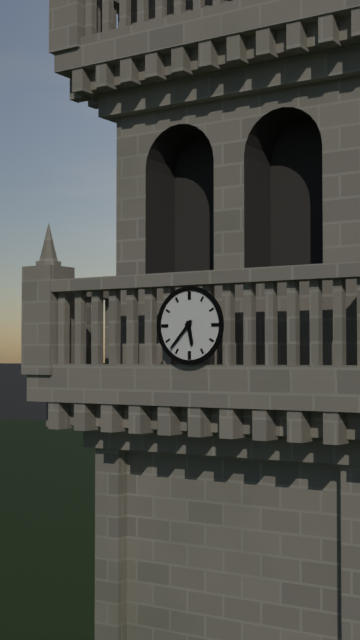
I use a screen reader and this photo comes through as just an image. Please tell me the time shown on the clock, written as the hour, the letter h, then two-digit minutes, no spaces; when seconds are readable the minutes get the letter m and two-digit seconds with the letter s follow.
5h37
